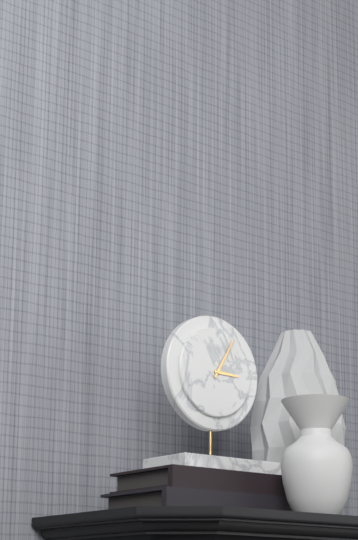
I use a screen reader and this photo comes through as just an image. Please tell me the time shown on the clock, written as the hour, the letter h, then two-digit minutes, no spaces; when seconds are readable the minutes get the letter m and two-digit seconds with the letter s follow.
3h05
